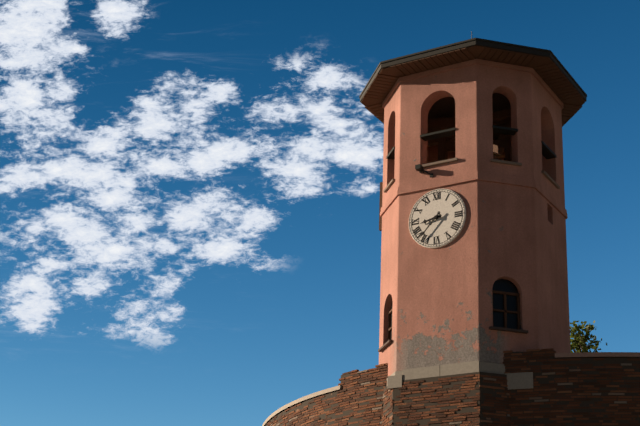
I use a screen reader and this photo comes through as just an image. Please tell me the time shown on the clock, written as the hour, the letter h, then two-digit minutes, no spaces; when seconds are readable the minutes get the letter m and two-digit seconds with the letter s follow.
8h37
